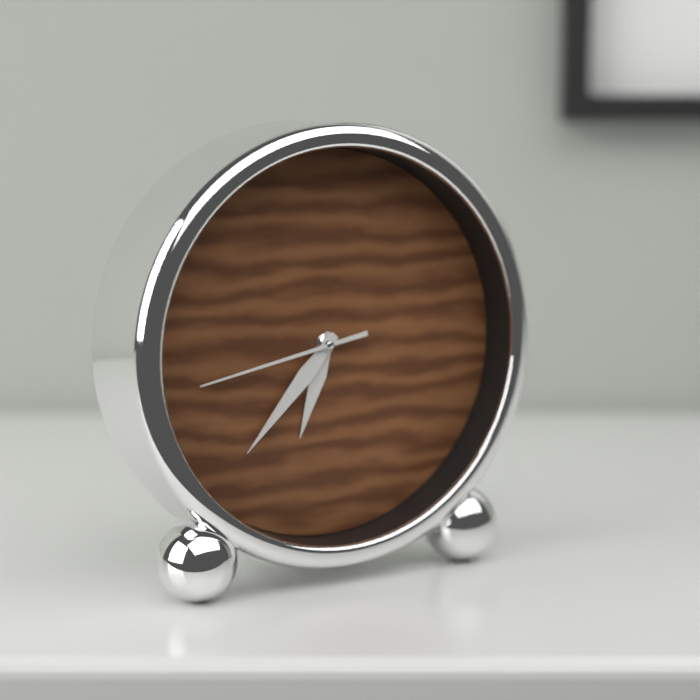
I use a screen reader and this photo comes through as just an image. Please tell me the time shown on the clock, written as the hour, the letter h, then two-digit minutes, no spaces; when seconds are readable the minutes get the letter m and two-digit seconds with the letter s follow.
6h37m43s
